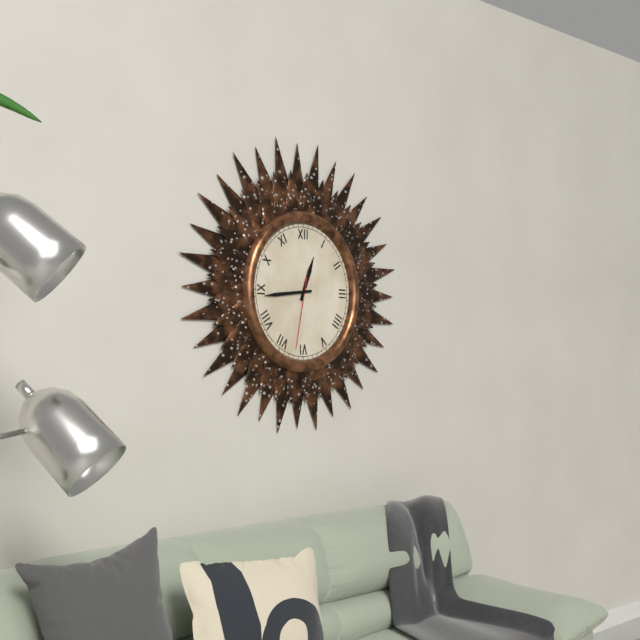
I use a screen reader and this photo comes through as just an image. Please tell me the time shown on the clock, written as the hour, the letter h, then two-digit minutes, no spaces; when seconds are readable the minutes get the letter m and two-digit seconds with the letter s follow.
12h44m32s
